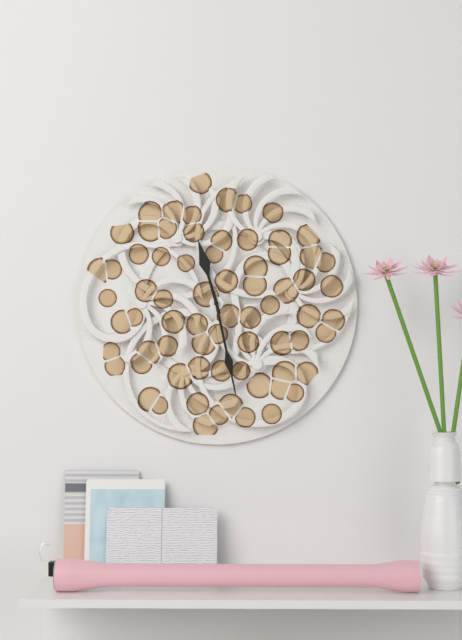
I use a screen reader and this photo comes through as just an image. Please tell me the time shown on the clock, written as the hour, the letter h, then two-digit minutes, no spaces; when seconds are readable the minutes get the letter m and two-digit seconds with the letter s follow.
11h28
